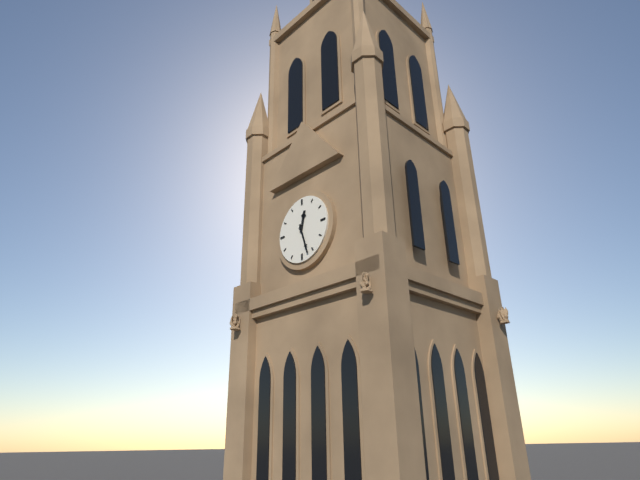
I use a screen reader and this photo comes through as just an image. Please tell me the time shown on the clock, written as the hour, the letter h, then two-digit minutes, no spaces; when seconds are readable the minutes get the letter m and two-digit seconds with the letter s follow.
12h27
